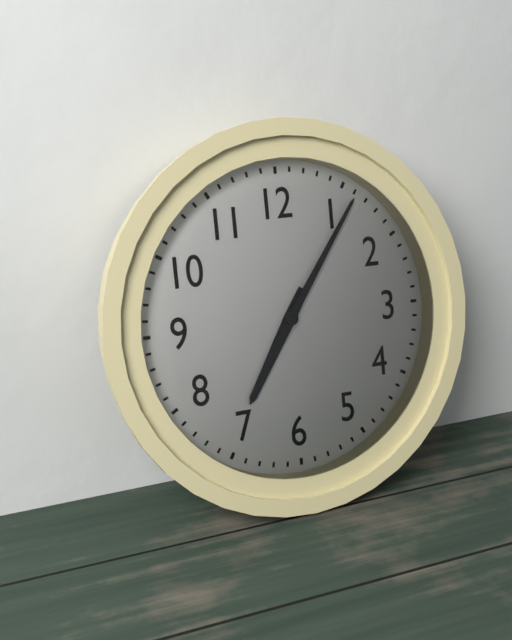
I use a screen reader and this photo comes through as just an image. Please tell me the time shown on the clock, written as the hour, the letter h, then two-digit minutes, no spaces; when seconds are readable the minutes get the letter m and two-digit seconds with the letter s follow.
7h06
